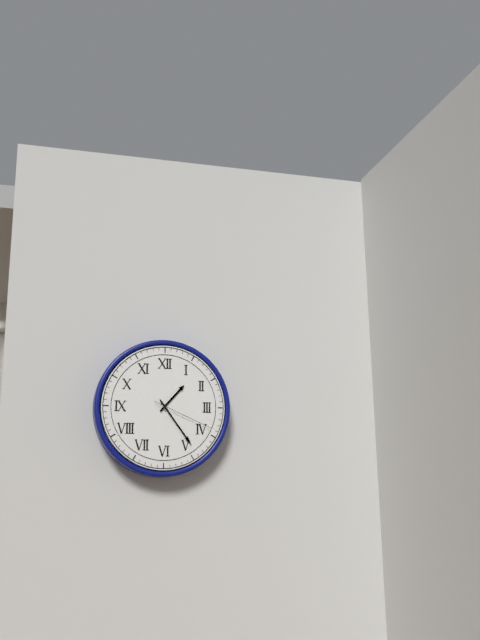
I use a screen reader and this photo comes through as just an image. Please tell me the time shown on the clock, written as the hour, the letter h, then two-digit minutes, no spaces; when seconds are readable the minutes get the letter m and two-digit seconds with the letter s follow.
1h24m19s
